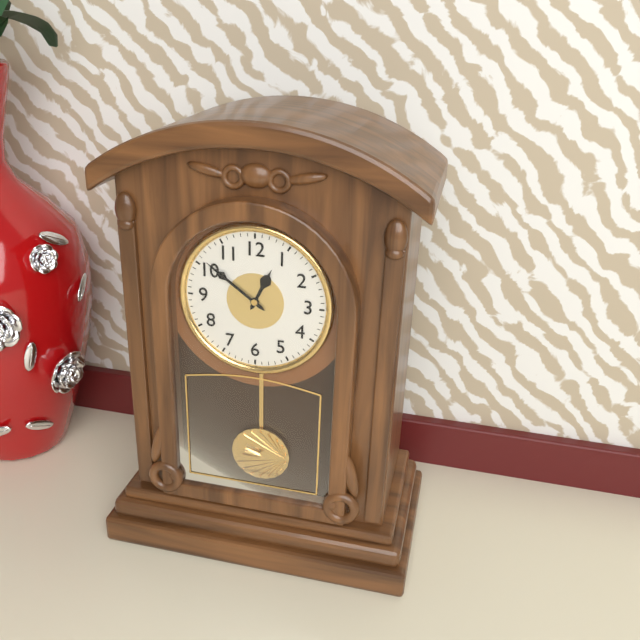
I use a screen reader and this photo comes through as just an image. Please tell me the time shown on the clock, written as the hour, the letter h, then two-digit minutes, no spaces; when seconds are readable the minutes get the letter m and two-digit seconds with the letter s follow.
12h51
